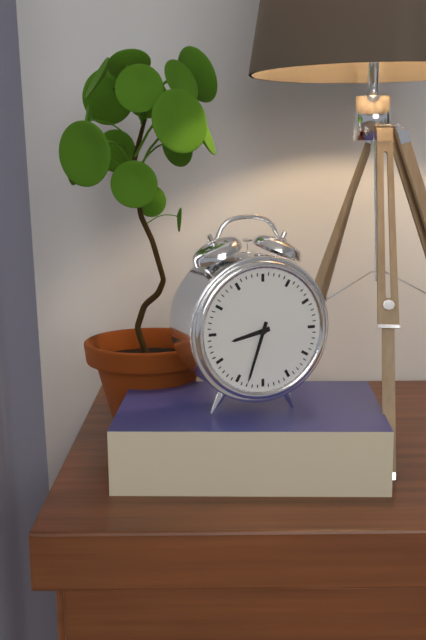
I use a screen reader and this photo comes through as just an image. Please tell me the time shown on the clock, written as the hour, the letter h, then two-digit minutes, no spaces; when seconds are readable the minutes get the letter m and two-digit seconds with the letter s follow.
8h33
